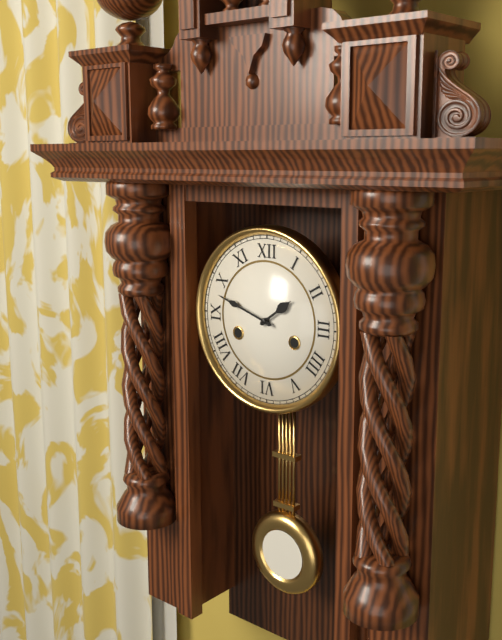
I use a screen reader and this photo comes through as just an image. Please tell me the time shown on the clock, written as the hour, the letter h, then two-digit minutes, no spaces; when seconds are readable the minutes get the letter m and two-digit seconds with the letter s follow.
1h48
